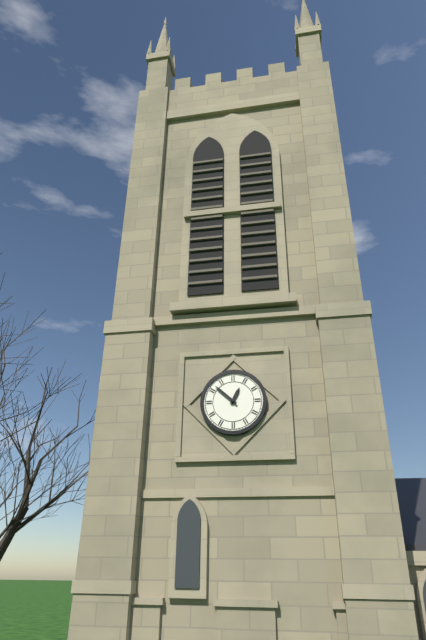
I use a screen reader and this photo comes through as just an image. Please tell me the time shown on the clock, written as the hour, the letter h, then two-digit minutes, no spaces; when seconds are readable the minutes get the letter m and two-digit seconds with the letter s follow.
12h52
